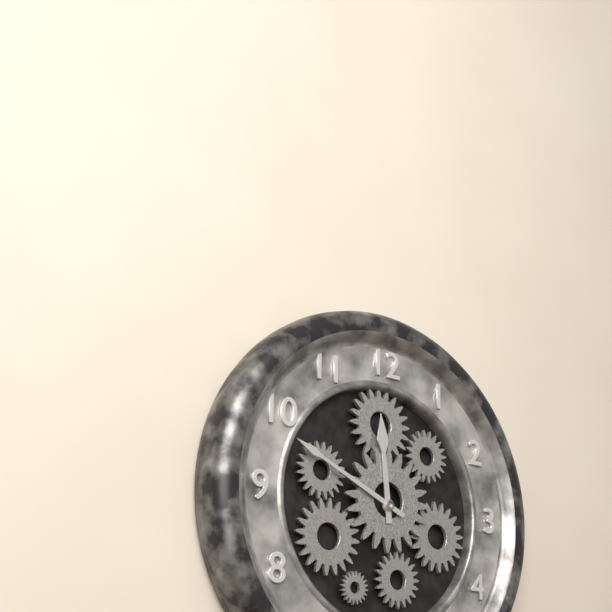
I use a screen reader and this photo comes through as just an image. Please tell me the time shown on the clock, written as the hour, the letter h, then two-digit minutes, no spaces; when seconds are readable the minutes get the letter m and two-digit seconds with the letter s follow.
11h49
